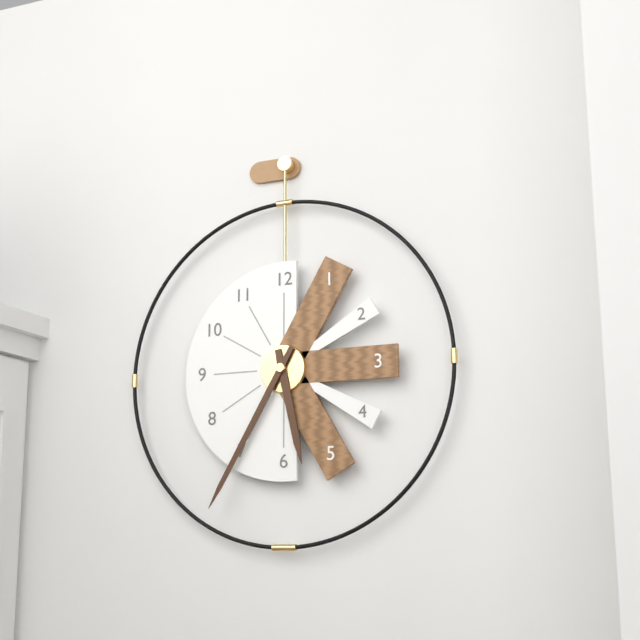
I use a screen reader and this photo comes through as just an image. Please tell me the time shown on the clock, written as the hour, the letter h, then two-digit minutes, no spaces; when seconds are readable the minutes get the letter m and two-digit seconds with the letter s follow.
5h35
